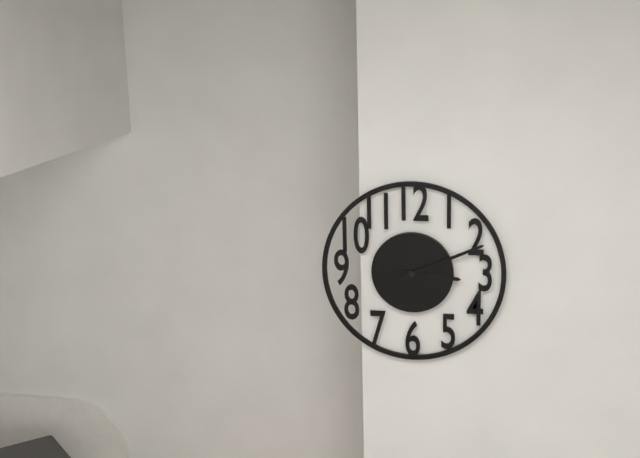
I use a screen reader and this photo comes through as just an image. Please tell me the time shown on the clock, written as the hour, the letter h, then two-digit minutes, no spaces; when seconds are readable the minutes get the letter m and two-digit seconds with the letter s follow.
3h11
